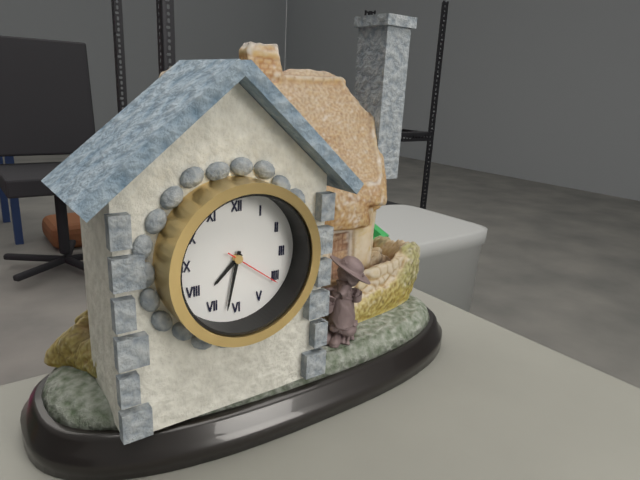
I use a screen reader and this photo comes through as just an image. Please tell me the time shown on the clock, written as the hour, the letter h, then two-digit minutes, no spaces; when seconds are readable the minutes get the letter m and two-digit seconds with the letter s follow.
7h32m21s
